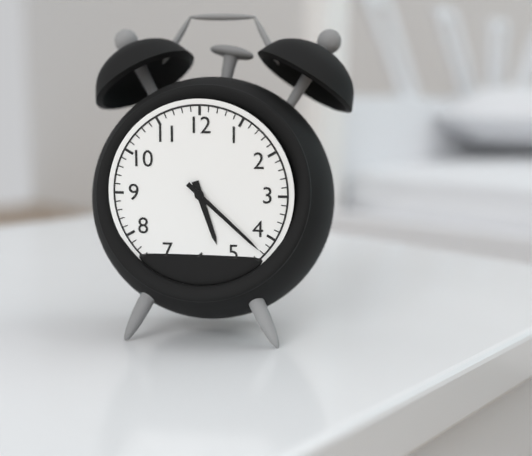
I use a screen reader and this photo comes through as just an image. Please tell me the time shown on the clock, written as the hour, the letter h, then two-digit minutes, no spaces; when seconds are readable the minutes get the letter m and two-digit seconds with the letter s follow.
5h22
